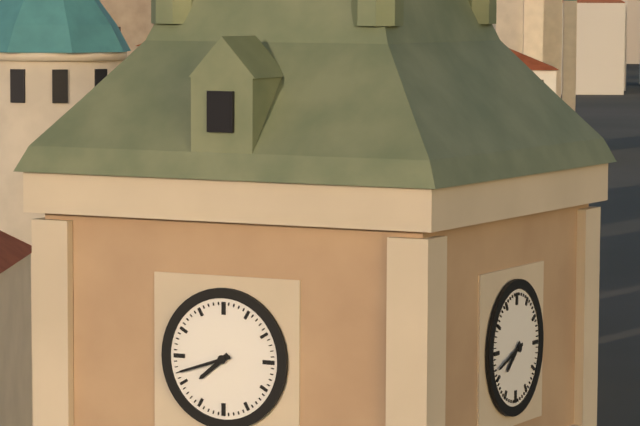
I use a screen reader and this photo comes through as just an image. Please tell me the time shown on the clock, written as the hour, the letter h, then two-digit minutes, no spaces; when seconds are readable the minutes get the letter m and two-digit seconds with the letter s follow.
7h42
